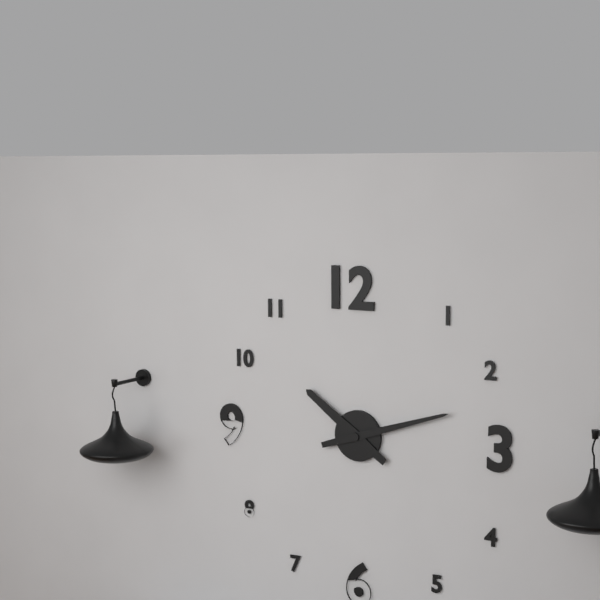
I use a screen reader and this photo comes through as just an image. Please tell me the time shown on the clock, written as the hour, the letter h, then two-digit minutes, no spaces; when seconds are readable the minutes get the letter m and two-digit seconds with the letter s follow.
10h12
